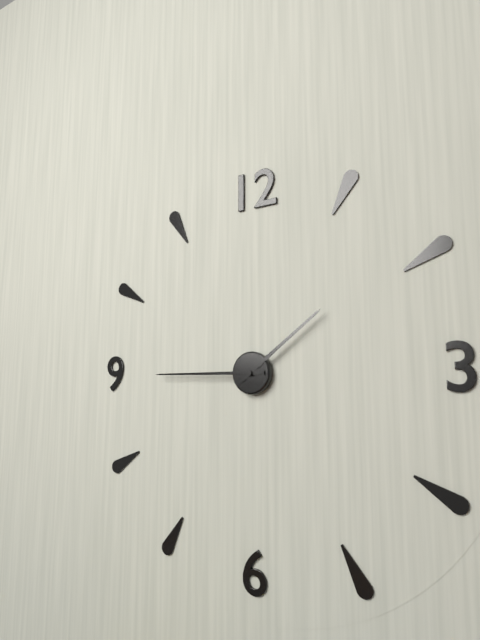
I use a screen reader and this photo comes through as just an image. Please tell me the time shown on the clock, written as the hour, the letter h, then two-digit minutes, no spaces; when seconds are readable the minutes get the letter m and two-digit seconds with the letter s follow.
1h45
